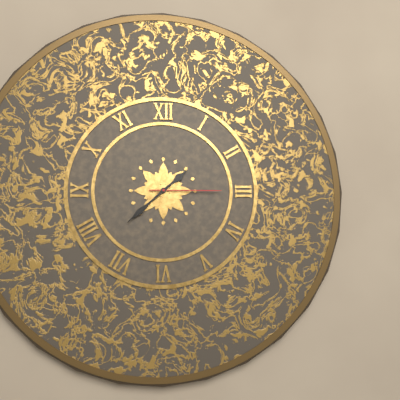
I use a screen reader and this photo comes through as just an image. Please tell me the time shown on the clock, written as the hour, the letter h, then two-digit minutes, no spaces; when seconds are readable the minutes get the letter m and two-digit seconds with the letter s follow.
1h38m15s
